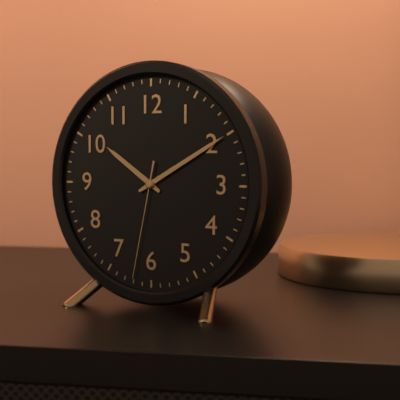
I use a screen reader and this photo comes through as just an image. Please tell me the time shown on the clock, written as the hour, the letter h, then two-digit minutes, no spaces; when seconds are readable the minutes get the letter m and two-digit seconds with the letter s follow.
10h10m32s
